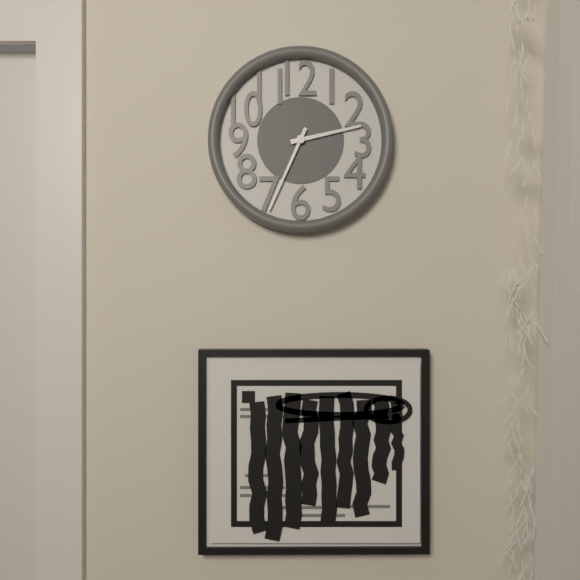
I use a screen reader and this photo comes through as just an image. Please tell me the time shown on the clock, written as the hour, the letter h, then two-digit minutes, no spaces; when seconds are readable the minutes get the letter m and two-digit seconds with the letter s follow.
2h34
